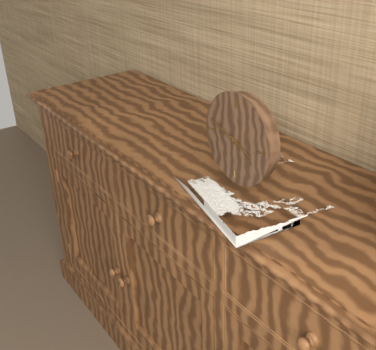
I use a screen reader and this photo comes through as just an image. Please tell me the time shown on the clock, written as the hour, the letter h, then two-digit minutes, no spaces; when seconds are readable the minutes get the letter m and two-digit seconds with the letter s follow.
3h48
